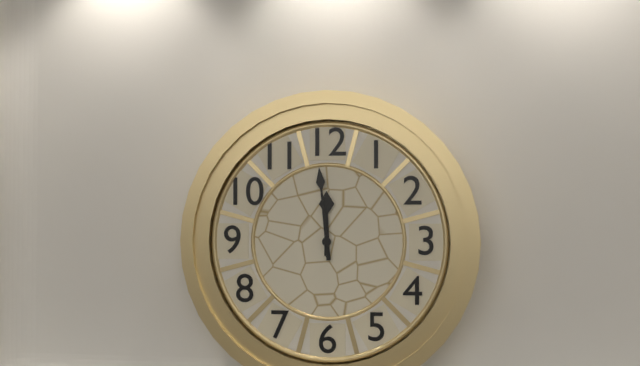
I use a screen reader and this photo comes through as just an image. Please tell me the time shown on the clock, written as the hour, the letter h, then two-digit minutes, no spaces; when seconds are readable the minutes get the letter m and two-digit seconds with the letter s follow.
11h59
